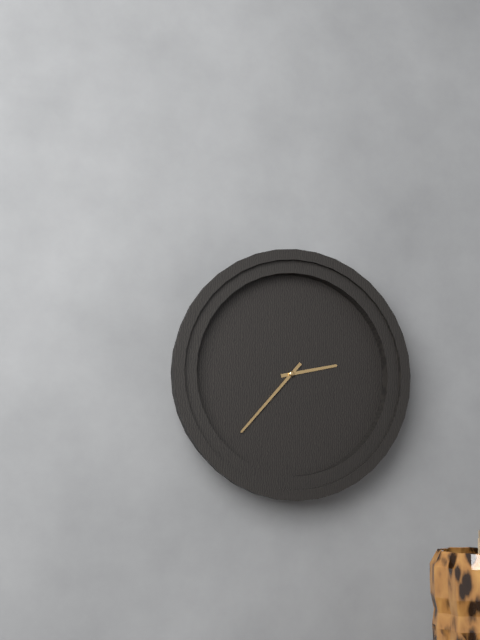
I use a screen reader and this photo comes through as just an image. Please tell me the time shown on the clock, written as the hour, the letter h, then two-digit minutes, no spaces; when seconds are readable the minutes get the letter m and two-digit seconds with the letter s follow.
2h37
